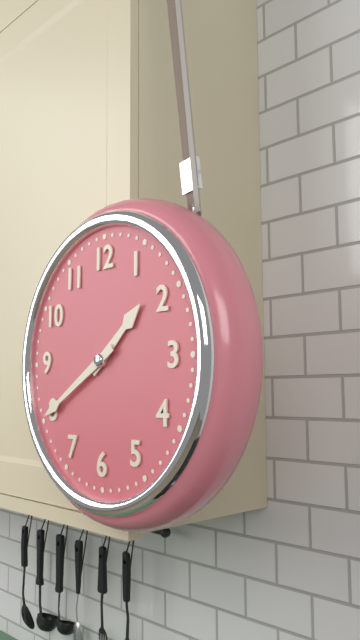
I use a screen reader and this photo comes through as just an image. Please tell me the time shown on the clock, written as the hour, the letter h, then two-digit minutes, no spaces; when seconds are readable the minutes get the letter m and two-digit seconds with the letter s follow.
1h40
